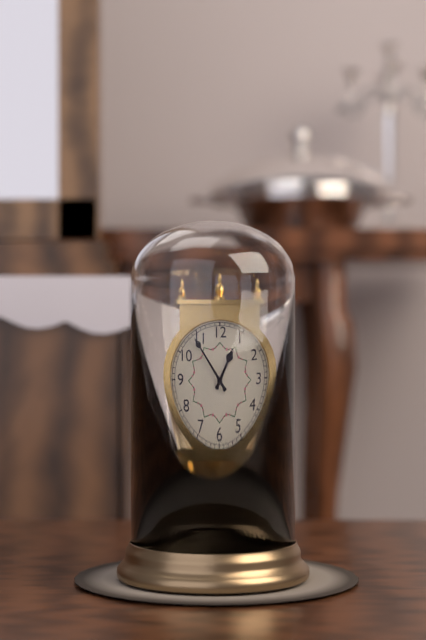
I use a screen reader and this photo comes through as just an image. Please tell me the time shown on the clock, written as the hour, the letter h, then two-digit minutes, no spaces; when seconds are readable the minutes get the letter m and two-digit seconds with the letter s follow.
12h54
